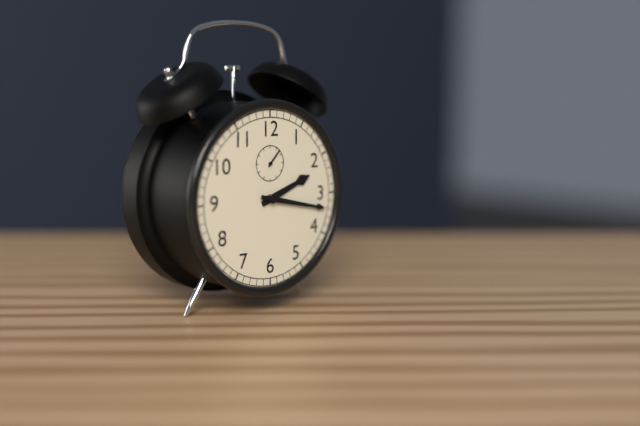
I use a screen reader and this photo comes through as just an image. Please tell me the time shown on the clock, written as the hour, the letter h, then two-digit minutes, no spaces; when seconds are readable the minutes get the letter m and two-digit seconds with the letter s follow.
2h17
